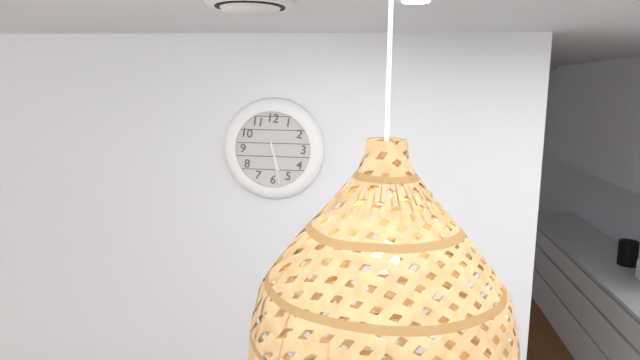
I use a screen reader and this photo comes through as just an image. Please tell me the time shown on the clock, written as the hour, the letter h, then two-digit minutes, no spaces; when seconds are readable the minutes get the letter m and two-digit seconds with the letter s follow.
5h28
